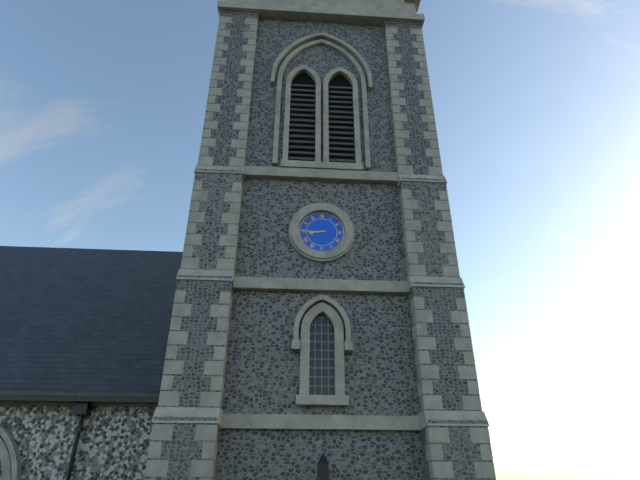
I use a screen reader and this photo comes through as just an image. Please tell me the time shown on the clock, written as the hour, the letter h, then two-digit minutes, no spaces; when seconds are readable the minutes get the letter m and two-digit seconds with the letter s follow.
8h45
